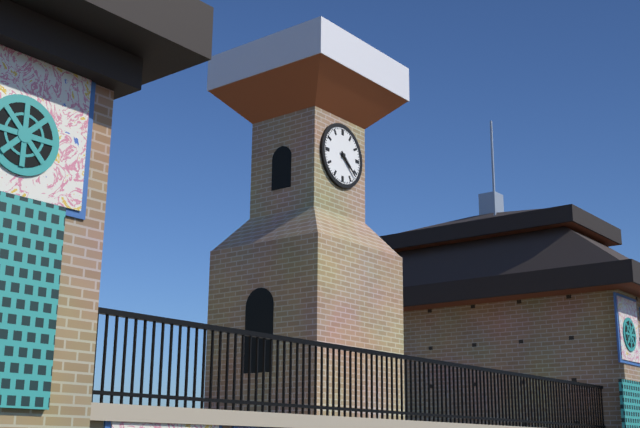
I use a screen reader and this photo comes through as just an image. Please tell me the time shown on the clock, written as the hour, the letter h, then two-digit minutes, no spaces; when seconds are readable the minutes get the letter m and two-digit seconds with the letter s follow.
4h22
